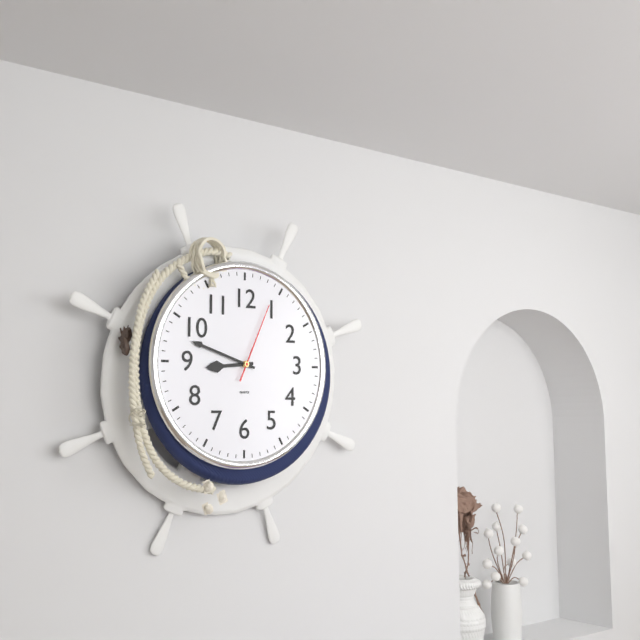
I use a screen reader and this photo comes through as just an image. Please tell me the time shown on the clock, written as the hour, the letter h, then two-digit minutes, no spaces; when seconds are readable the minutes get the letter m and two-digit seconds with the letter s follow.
8h48m04s
